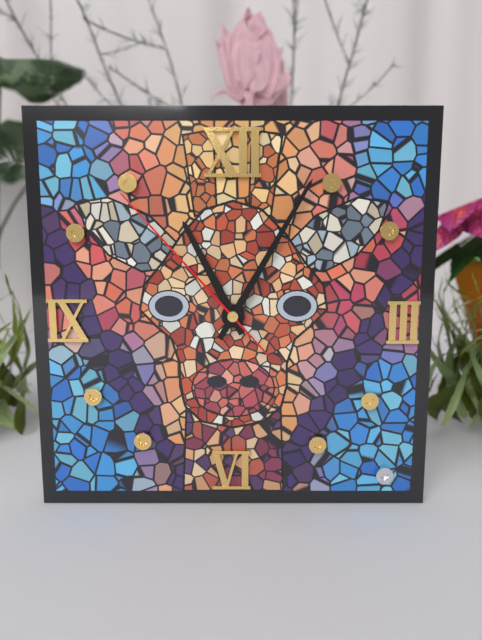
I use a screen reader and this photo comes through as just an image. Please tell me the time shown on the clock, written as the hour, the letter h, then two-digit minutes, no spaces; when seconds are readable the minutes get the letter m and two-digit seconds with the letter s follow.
11h05m53s
